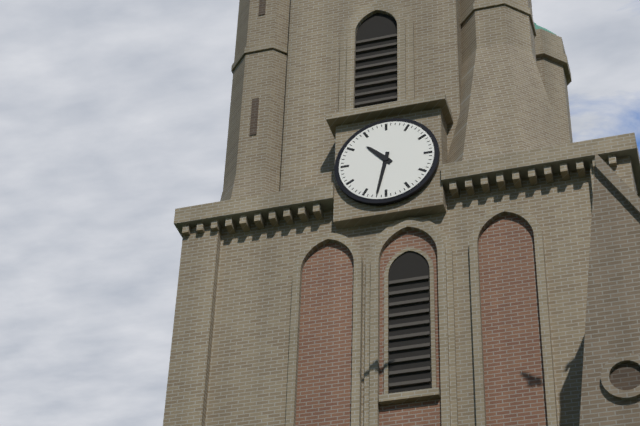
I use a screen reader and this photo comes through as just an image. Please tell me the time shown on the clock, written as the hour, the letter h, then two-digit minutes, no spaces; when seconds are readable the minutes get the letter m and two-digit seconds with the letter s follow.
10h32
